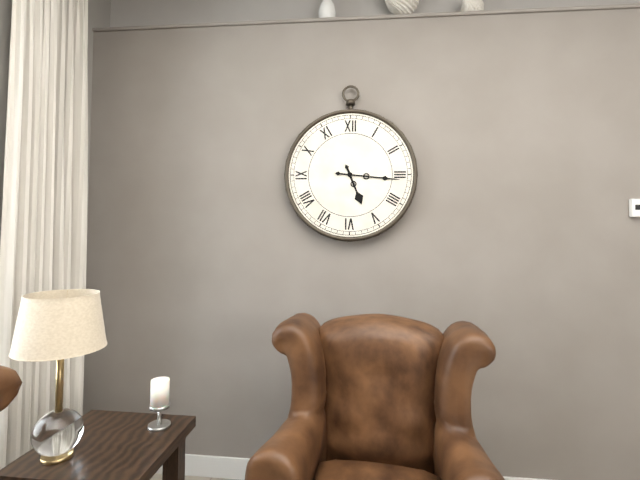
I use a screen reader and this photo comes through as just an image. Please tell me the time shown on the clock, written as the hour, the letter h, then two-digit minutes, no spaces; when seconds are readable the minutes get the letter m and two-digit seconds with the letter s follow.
5h16
